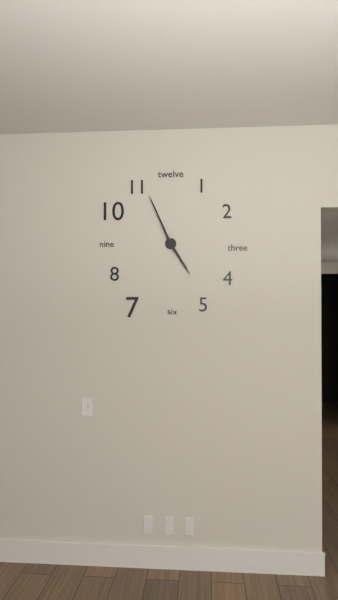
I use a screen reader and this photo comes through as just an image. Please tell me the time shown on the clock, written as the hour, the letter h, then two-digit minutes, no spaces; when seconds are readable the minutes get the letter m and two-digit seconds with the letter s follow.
4h56
